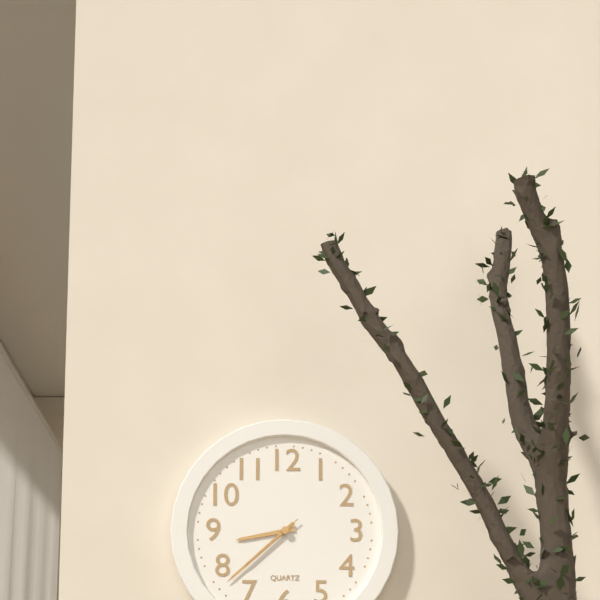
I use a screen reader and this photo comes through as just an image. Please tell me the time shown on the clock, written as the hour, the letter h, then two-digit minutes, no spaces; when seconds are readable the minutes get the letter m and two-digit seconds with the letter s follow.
8h38m38s
